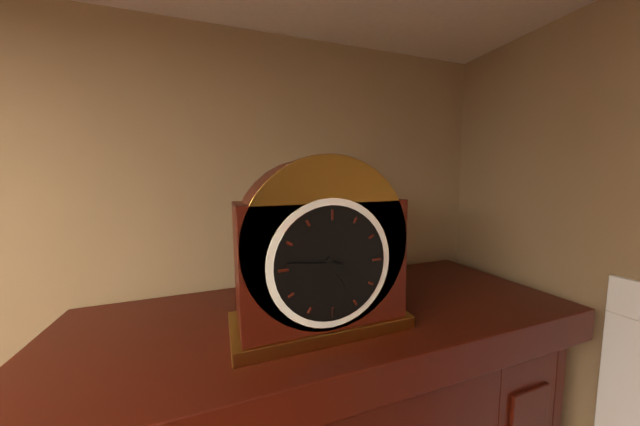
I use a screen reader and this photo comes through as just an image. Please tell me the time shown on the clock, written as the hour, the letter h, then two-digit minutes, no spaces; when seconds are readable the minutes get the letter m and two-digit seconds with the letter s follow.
4h46
